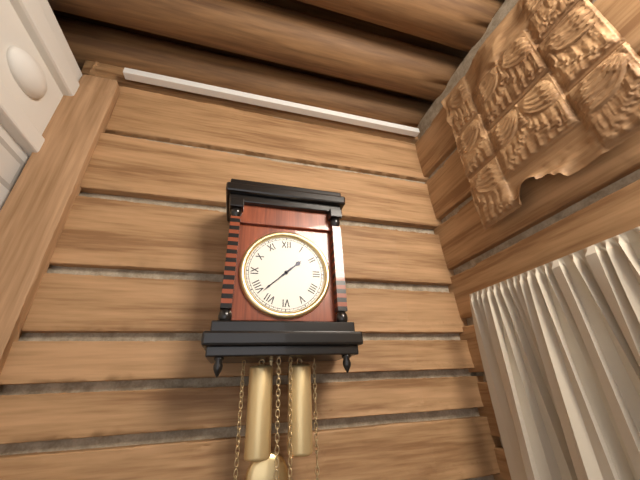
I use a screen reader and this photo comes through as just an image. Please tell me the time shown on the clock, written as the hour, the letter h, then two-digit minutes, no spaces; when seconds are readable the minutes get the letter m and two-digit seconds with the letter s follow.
1h38
